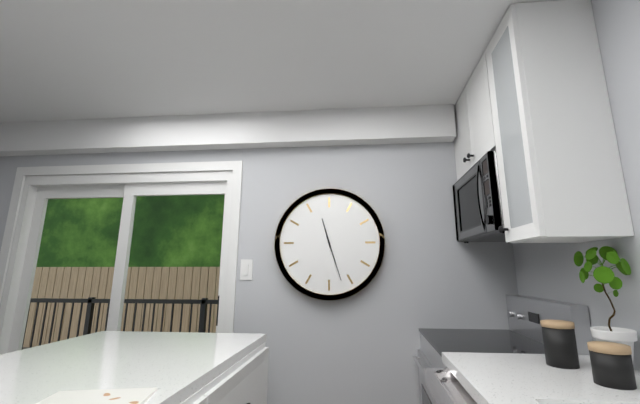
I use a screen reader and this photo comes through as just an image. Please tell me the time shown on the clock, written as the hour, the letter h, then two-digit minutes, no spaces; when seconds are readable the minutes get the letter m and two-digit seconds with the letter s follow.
11h27
